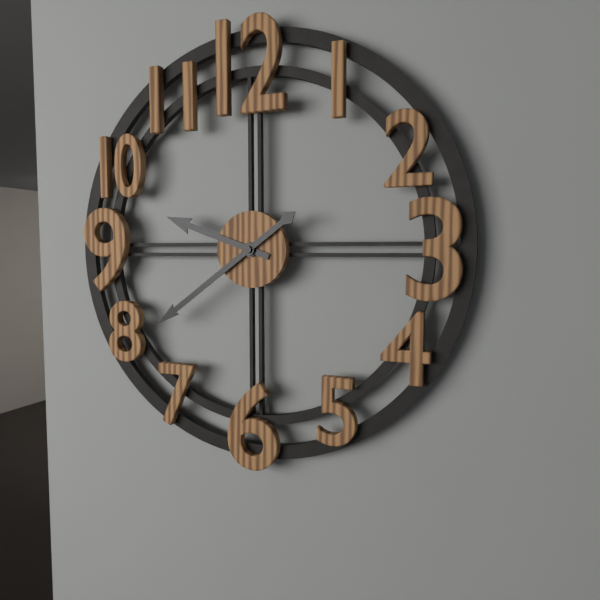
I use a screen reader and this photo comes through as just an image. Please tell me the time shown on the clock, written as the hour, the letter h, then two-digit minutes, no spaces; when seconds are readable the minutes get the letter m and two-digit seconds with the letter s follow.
9h39
